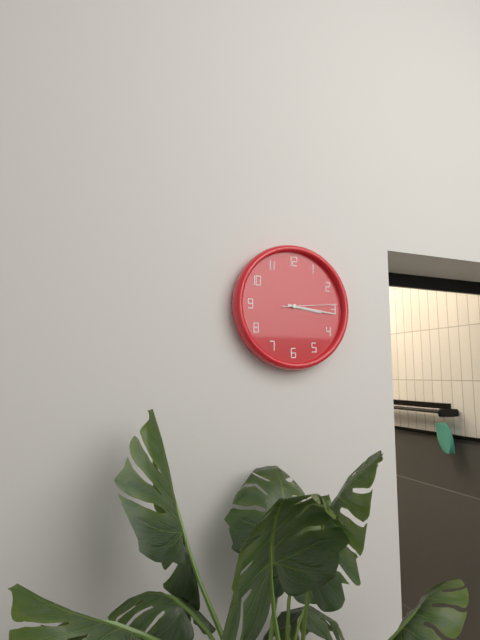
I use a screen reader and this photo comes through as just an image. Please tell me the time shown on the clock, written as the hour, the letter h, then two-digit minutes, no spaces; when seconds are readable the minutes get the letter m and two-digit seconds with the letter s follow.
3h16m14s
